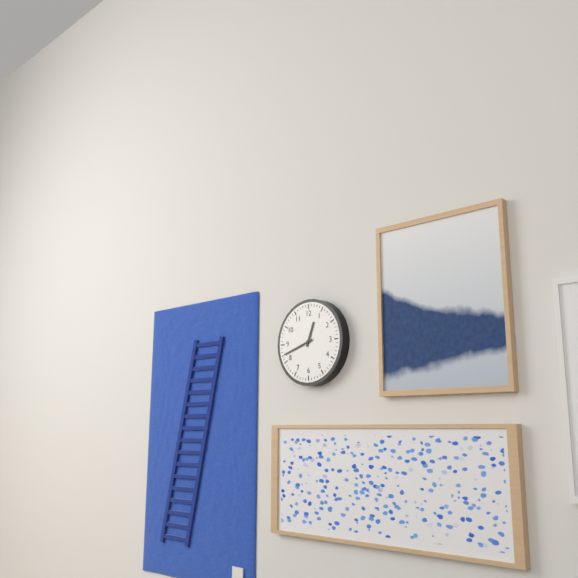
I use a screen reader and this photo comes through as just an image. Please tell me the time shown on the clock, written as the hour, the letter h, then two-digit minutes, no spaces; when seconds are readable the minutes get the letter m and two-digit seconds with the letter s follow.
12h42
